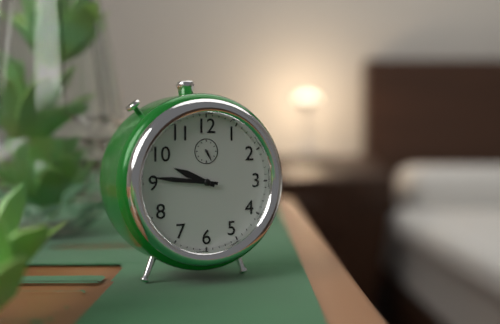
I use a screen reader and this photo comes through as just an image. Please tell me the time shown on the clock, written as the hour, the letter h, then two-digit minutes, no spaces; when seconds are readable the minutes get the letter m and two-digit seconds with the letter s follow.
9h46
